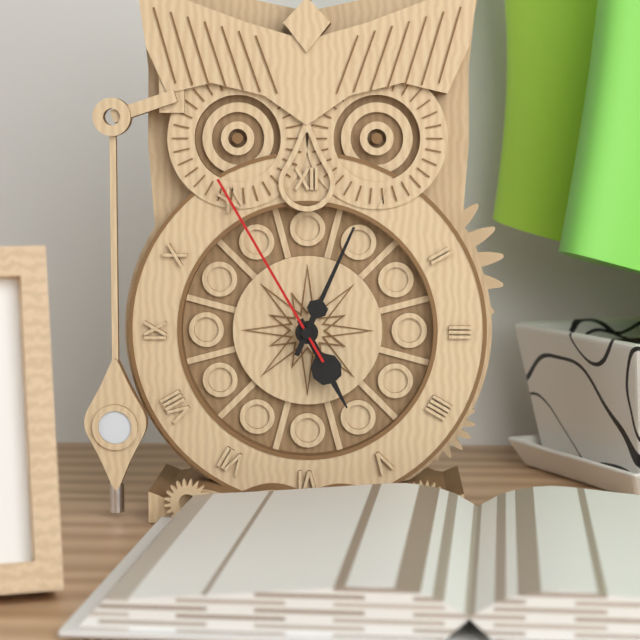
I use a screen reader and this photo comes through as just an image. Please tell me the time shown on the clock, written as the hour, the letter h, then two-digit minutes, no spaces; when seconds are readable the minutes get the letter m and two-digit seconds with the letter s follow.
5h04m55s
